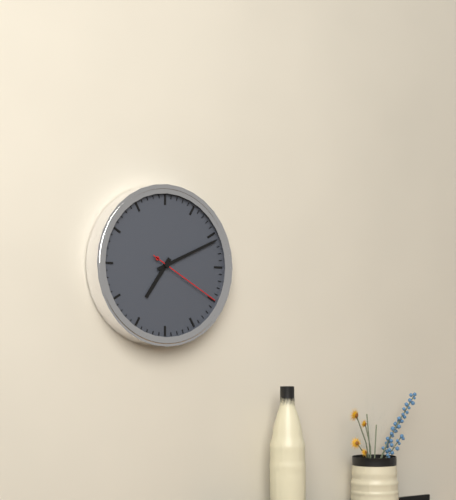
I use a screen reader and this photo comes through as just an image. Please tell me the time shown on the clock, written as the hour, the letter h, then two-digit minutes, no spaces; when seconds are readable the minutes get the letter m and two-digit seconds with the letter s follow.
7h11m20s
